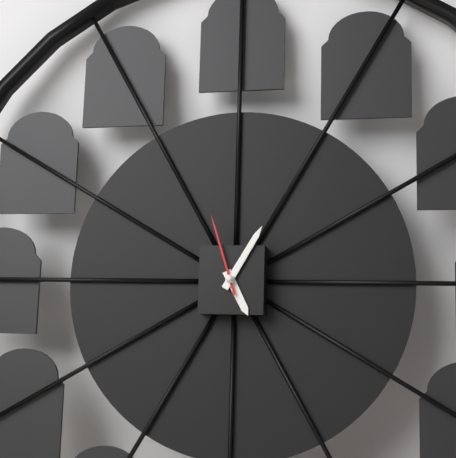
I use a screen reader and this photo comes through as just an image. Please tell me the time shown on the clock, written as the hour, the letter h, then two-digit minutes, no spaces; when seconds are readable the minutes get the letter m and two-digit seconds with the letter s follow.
5h05m57s
